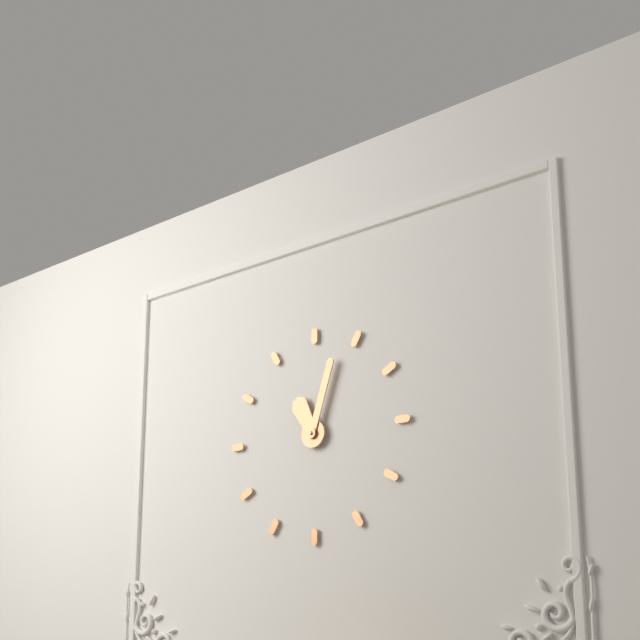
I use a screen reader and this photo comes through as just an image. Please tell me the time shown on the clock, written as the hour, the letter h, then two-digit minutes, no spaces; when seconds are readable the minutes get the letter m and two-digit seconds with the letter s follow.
11h03
